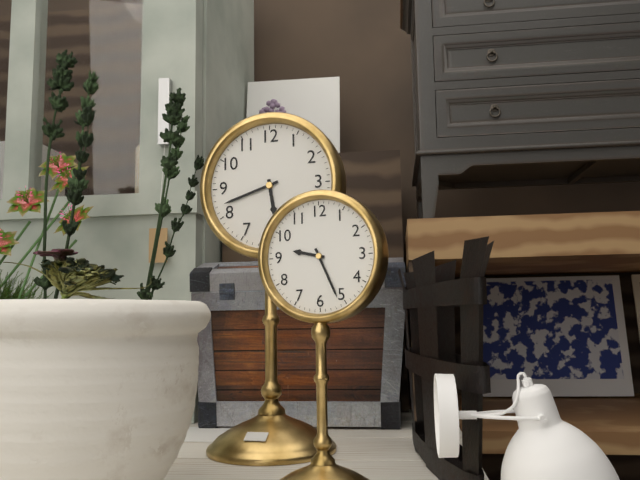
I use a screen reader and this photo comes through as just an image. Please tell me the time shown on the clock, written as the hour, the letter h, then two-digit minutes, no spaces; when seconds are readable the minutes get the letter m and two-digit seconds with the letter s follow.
5h42
